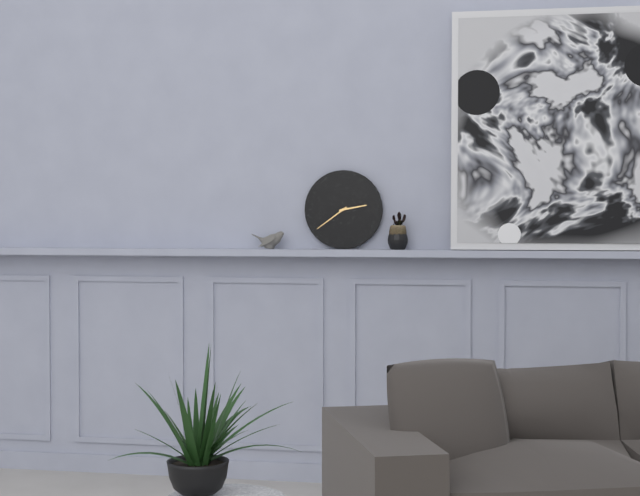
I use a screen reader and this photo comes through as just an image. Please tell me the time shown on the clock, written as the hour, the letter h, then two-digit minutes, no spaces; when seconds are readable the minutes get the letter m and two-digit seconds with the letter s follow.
2h39
